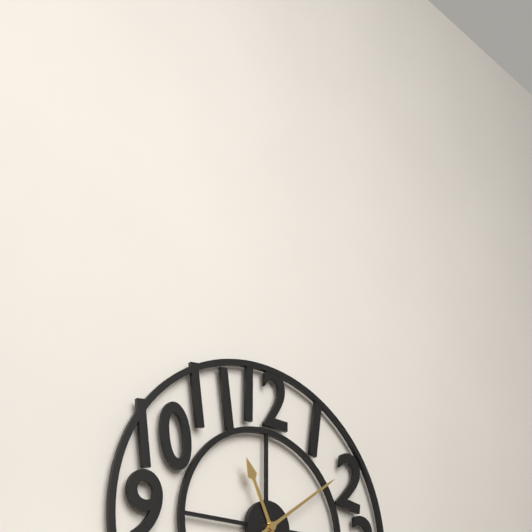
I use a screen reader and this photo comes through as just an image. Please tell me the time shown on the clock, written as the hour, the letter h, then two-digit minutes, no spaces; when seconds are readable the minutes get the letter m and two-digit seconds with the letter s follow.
11h09
